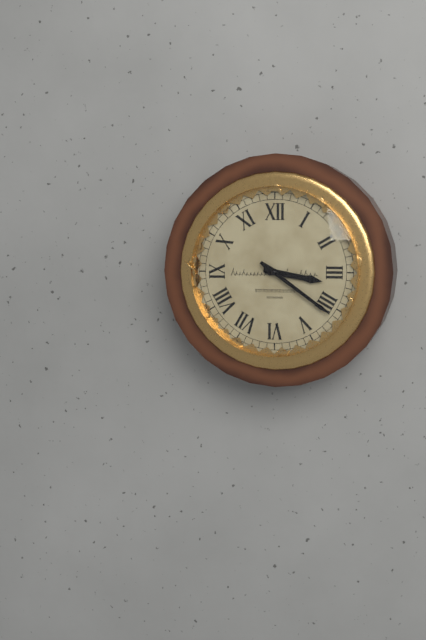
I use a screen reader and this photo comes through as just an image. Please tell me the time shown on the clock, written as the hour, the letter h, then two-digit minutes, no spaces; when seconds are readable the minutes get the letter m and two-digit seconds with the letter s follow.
3h21
